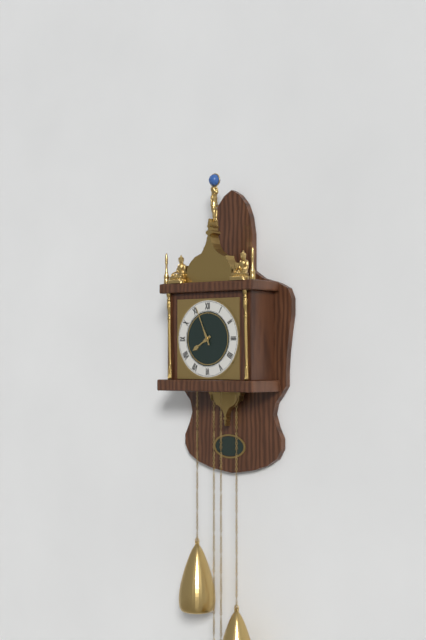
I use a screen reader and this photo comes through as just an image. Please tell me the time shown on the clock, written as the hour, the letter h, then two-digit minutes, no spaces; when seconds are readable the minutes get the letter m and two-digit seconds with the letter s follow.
7h56
